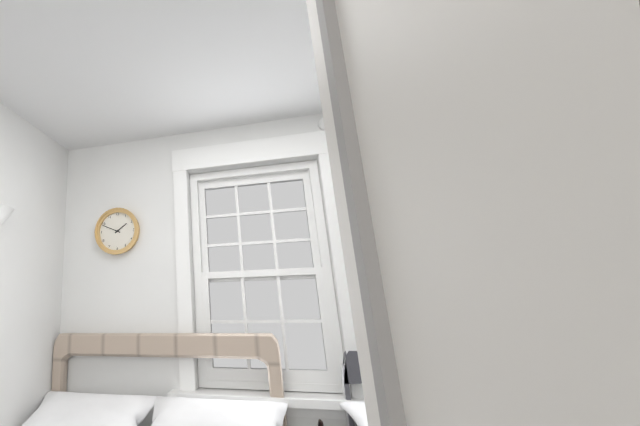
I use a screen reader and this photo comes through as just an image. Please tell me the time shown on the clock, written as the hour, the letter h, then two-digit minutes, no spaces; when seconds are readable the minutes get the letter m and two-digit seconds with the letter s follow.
1h49
